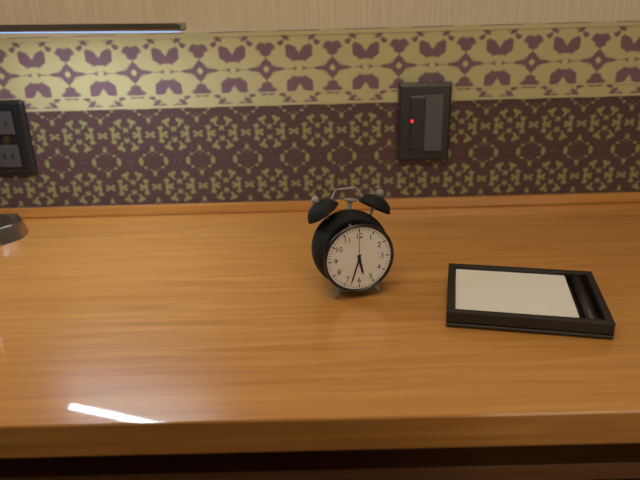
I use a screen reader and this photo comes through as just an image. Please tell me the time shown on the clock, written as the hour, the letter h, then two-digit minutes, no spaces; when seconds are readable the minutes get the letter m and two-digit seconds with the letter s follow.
5h33
